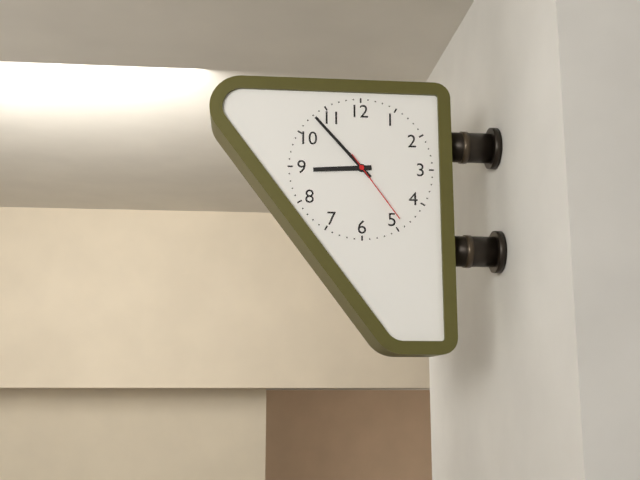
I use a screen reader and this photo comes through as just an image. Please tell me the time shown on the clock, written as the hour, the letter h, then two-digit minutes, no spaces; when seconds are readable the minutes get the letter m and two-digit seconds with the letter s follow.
8h53m24s
